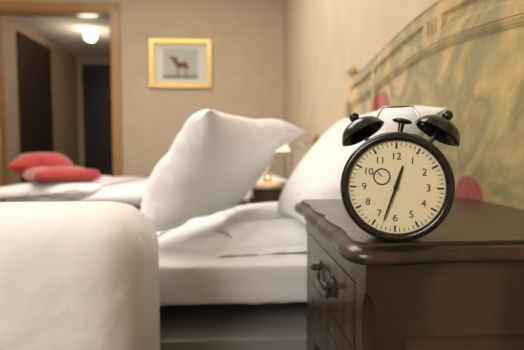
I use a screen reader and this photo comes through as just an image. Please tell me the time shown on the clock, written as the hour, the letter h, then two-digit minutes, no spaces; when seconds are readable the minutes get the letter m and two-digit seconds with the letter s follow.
12h33
